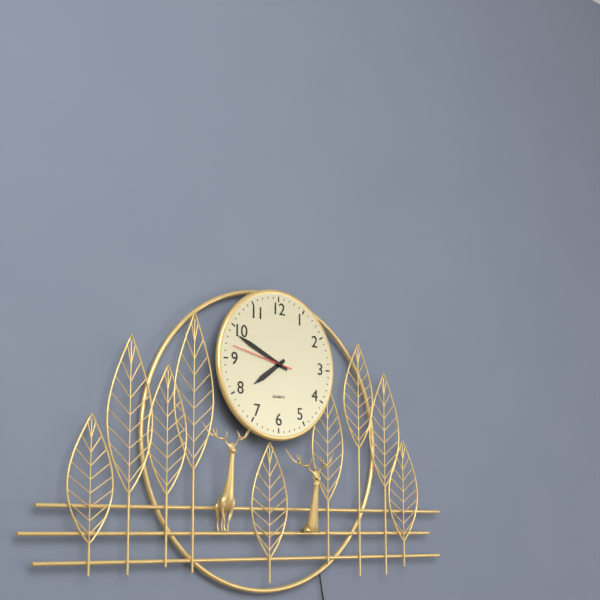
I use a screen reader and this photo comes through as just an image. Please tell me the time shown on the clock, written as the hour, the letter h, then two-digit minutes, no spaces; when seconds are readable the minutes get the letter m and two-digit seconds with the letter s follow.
7h49m47s
